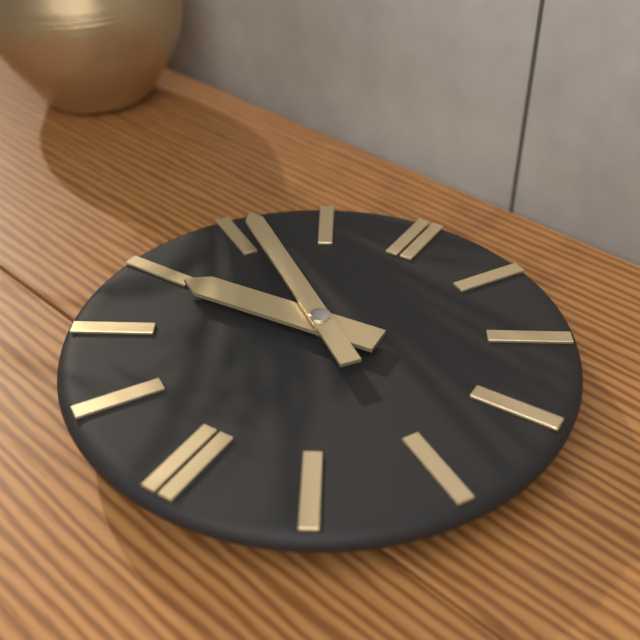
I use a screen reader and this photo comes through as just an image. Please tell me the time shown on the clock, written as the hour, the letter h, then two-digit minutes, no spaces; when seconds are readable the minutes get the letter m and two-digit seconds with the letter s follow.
8h51
